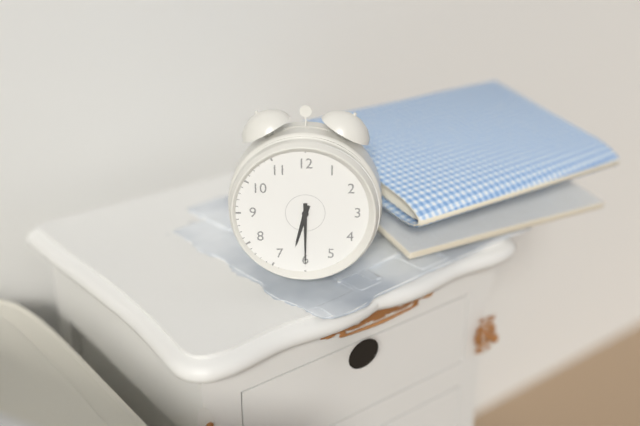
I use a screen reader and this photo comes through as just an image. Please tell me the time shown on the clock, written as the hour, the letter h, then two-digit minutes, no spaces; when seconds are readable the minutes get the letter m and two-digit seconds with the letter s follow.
6h30
